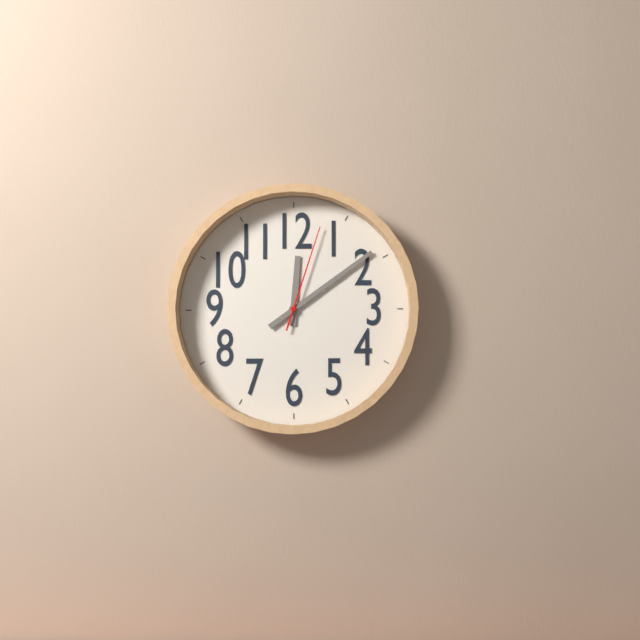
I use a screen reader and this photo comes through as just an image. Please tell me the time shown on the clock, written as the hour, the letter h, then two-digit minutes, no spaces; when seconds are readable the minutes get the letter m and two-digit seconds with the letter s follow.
12h09m03s
